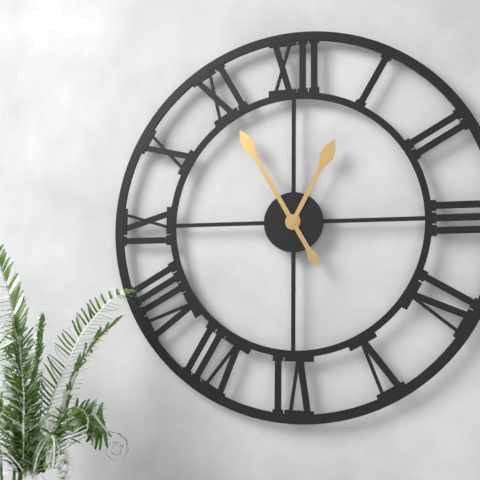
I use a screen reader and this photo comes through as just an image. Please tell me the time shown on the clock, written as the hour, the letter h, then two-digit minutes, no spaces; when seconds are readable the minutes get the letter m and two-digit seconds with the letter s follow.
12h55
